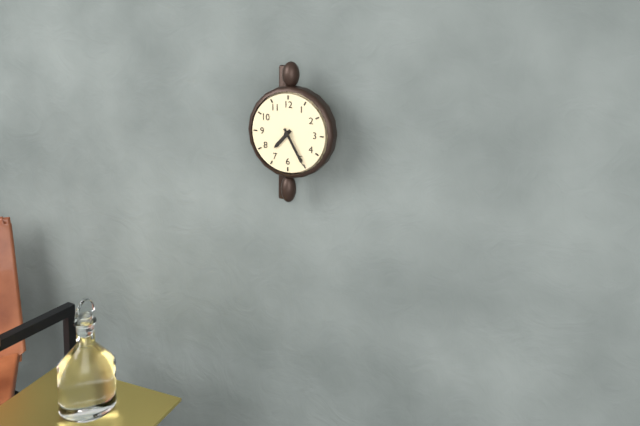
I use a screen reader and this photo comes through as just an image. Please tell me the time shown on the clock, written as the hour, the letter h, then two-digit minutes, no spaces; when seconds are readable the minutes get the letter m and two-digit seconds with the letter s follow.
7h25
